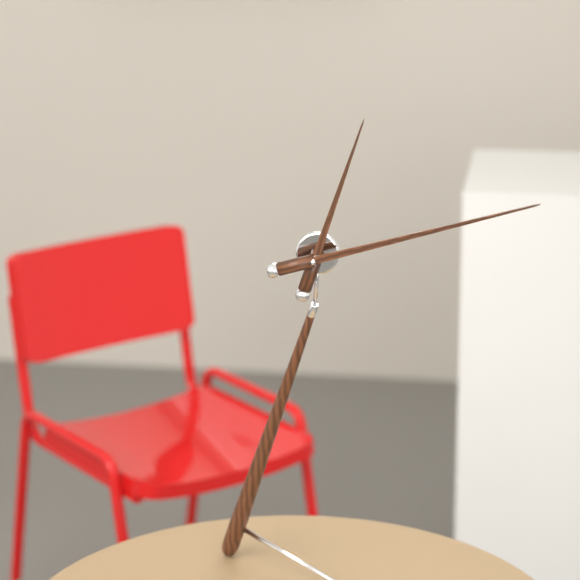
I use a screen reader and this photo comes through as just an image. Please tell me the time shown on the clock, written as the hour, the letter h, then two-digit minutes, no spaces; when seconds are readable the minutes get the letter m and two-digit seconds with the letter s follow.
12h10
